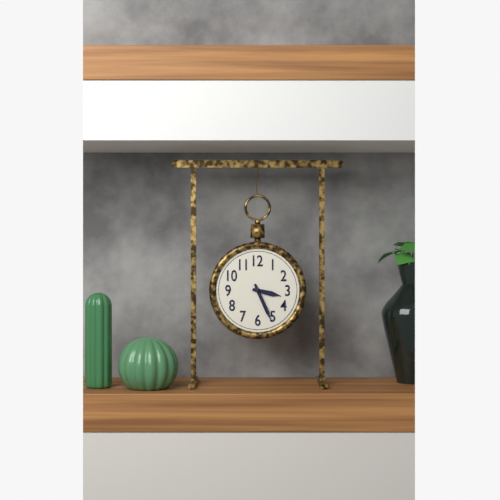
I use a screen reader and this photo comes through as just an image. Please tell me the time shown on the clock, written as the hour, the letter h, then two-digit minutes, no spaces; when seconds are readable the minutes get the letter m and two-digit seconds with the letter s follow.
3h26
